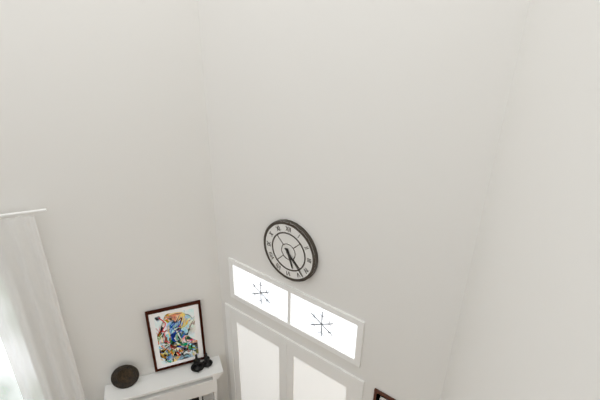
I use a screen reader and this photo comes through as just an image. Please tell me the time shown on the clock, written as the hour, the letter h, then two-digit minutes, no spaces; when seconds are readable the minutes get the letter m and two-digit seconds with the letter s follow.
5h23
